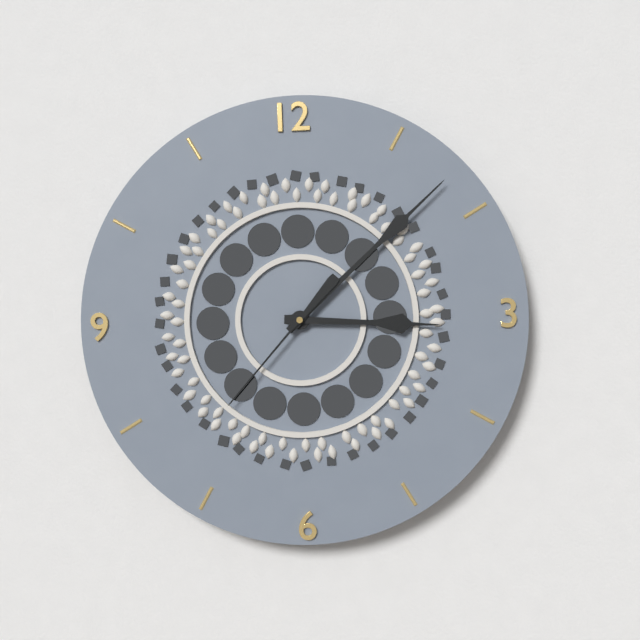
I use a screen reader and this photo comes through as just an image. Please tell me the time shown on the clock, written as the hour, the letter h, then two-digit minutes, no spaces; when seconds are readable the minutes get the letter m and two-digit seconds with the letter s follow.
3h08m37s
